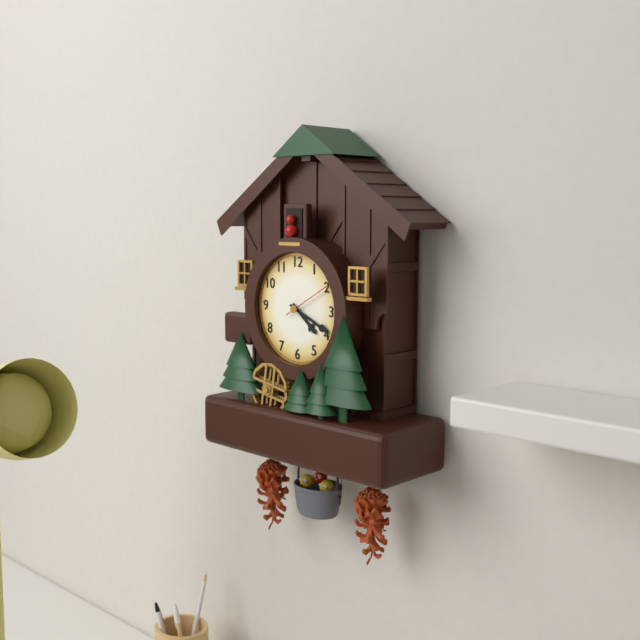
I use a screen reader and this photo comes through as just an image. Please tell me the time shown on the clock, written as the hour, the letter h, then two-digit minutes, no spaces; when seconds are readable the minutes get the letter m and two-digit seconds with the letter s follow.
4h19m10s
